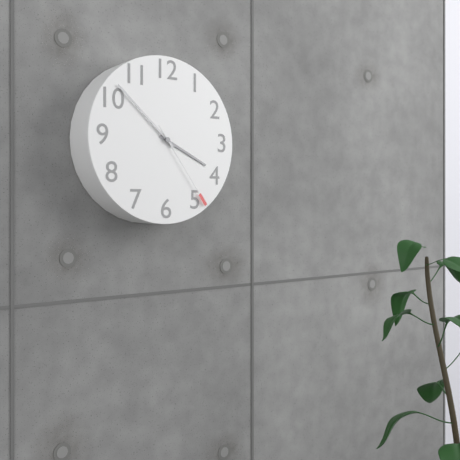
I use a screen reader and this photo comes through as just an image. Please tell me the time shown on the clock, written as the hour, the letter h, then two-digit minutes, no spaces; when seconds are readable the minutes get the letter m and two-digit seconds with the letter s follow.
3h52m24s
